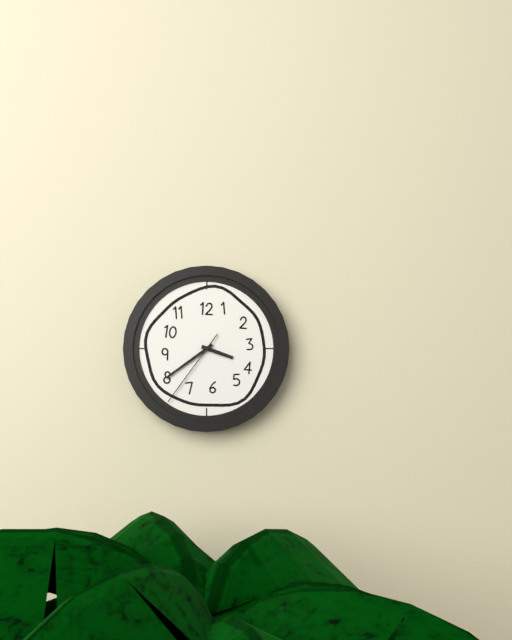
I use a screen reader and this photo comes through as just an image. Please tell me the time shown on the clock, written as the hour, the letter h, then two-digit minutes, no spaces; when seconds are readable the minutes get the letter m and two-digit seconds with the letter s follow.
3h39m36s
